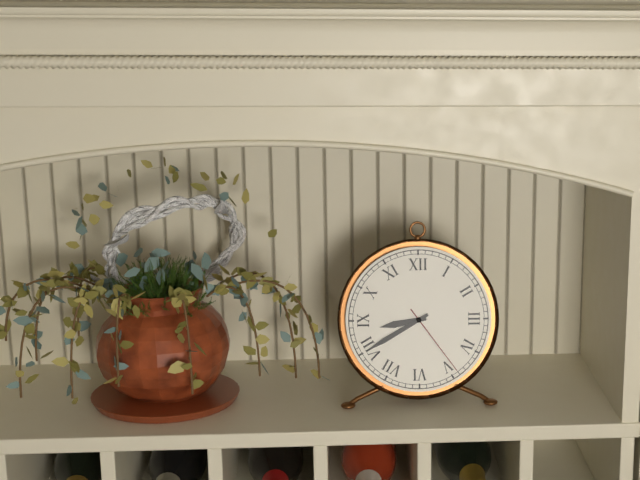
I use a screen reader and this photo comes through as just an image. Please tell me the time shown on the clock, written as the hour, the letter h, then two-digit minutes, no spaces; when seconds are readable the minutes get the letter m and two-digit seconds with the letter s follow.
8h40m24s
